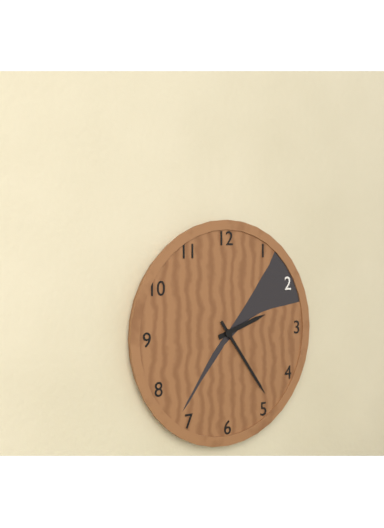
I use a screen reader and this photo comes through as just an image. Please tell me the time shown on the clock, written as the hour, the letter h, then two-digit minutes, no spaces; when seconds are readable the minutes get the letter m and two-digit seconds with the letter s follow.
2h24
